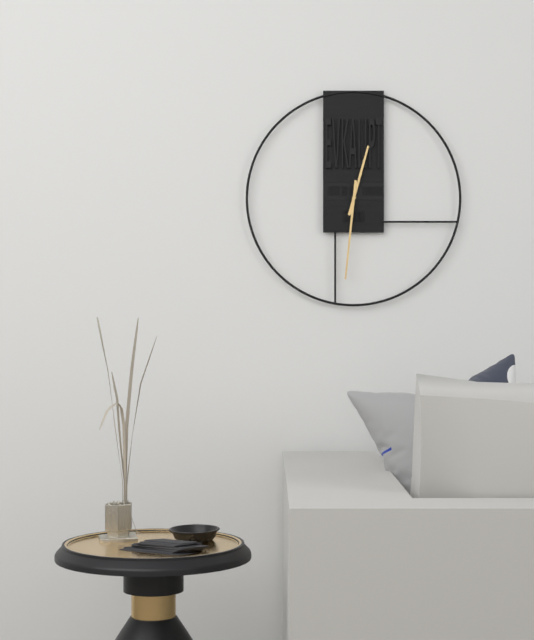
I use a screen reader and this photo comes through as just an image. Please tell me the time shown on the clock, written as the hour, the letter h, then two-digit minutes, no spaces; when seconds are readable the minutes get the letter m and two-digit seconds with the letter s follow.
12h31
